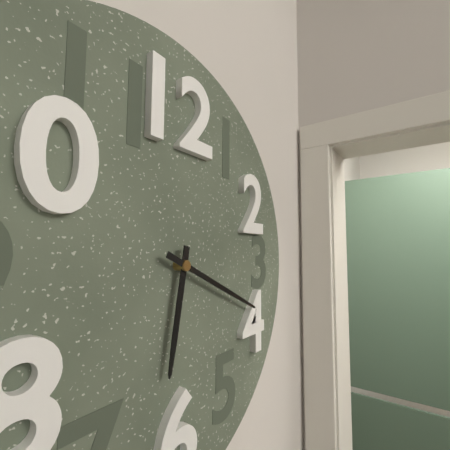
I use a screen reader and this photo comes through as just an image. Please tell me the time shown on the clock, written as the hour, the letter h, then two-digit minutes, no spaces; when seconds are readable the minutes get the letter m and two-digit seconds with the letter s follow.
6h19
